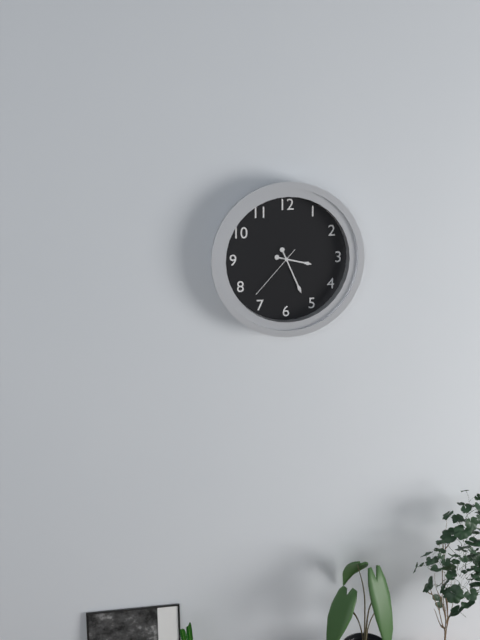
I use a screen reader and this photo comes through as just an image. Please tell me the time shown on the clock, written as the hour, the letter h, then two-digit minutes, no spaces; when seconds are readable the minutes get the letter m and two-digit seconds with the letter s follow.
3h26m37s
